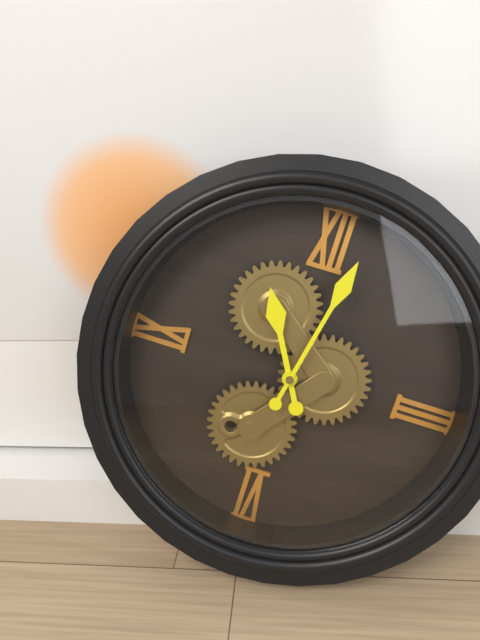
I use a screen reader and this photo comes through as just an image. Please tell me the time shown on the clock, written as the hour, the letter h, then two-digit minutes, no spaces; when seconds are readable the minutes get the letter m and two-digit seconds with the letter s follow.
11h02
